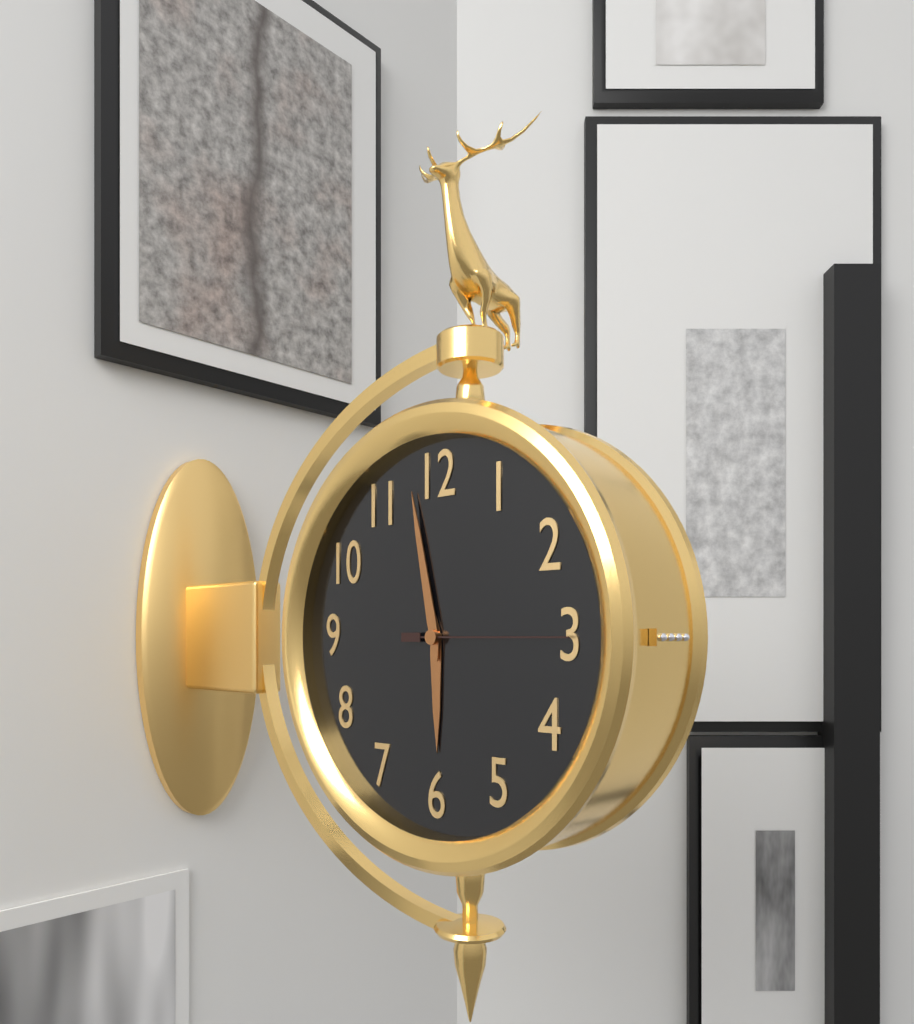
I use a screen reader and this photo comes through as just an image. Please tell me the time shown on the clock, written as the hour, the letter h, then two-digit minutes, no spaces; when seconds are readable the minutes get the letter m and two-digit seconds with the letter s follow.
5h58m15s
